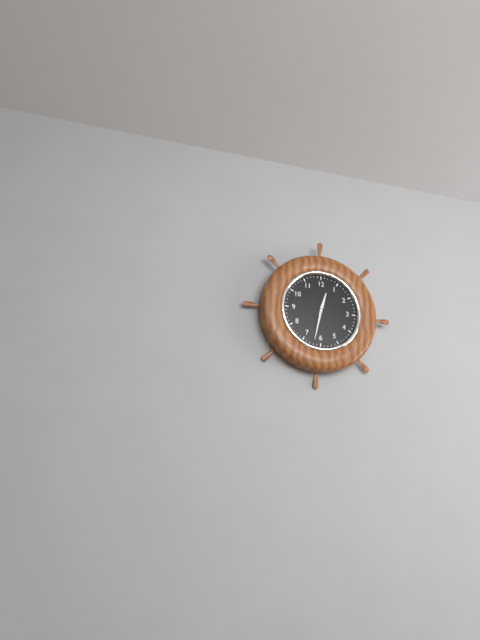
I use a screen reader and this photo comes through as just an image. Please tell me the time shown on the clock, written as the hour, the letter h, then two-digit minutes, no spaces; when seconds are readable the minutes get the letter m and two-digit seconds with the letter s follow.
12h32
